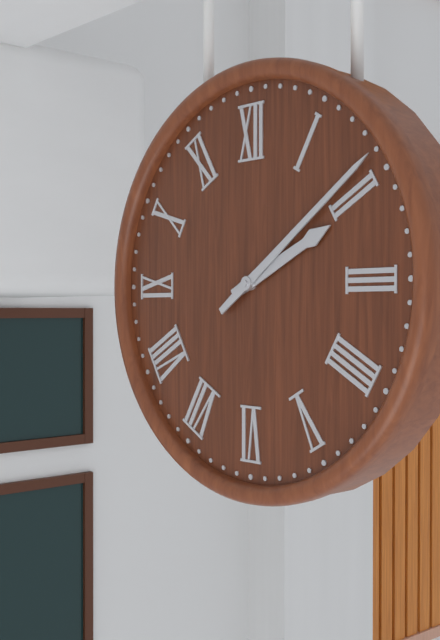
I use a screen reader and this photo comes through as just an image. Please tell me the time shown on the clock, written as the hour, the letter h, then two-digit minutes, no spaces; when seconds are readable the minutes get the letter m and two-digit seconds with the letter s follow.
2h09
